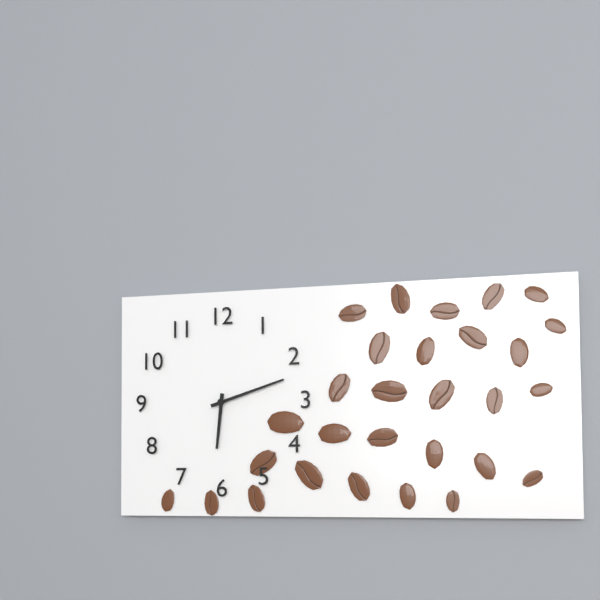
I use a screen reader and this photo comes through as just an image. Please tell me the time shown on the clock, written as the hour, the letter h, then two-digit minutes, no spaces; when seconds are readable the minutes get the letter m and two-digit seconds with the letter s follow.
6h12
